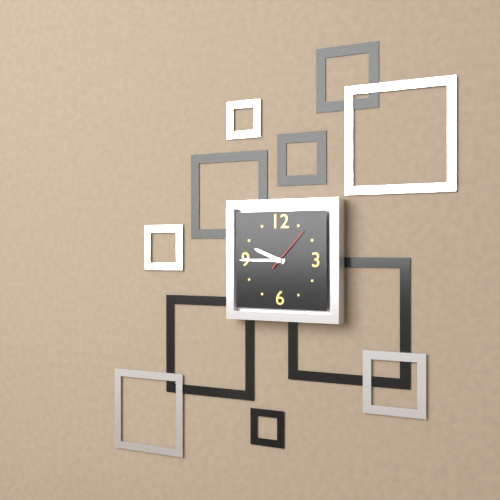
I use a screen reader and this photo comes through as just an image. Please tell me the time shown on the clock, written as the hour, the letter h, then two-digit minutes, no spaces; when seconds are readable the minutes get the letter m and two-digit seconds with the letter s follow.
9h45
